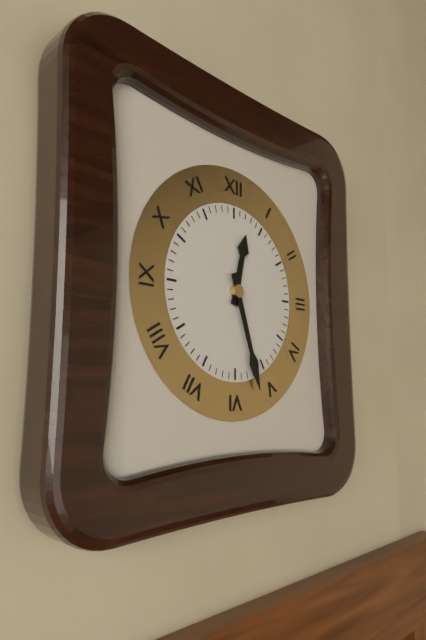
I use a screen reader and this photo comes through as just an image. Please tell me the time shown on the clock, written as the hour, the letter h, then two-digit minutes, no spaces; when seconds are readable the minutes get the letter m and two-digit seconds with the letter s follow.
12h27
